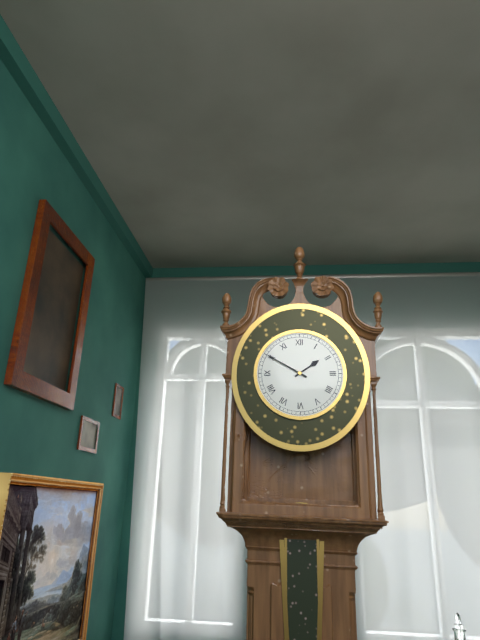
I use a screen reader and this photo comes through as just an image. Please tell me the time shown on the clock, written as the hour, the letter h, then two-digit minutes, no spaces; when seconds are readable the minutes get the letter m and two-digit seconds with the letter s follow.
1h50
